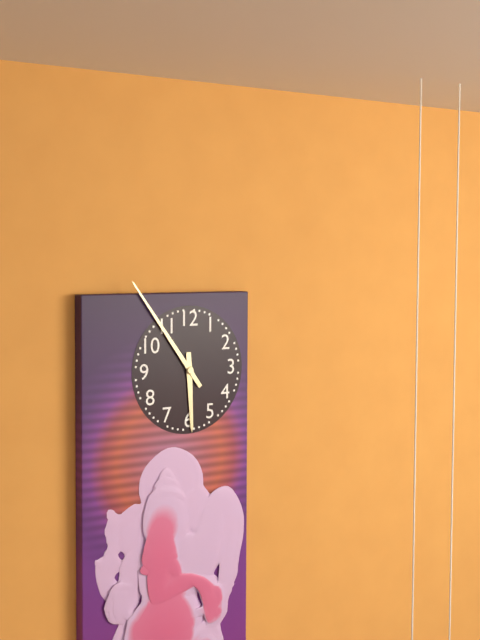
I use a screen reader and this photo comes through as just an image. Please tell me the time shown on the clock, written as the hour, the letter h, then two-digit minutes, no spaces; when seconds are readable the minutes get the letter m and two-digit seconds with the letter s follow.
5h54
